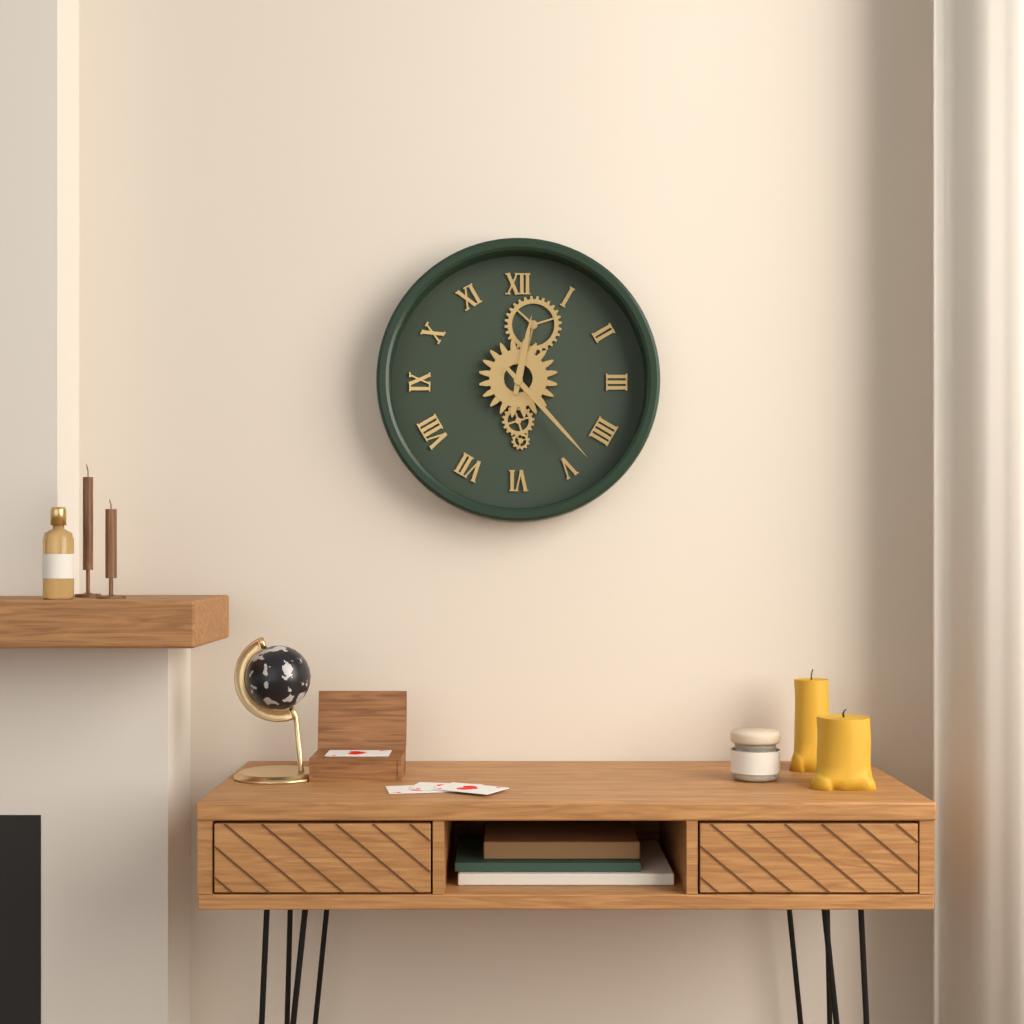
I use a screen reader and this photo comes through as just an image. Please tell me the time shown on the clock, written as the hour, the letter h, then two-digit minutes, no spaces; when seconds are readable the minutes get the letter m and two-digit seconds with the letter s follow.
12h23
